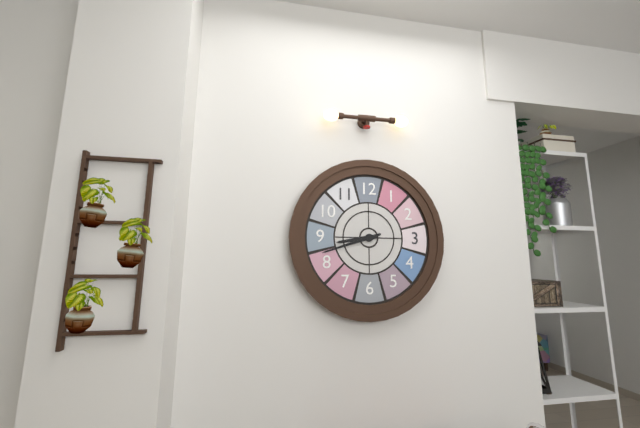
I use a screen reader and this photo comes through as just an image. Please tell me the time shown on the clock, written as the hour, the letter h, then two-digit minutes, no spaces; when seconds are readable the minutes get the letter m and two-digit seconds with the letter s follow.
8h42
